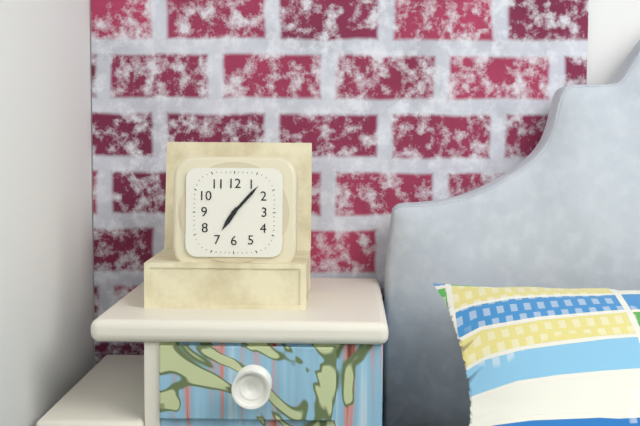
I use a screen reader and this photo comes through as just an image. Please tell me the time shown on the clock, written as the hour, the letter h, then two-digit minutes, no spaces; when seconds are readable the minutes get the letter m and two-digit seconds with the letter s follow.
7h07
